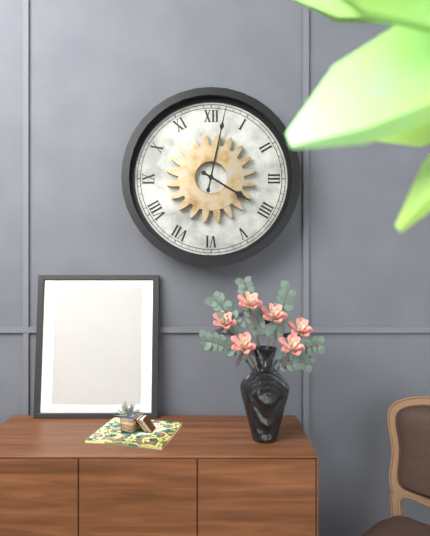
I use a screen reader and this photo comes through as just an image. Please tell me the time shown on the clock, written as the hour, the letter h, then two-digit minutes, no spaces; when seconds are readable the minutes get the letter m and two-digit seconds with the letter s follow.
4h02
